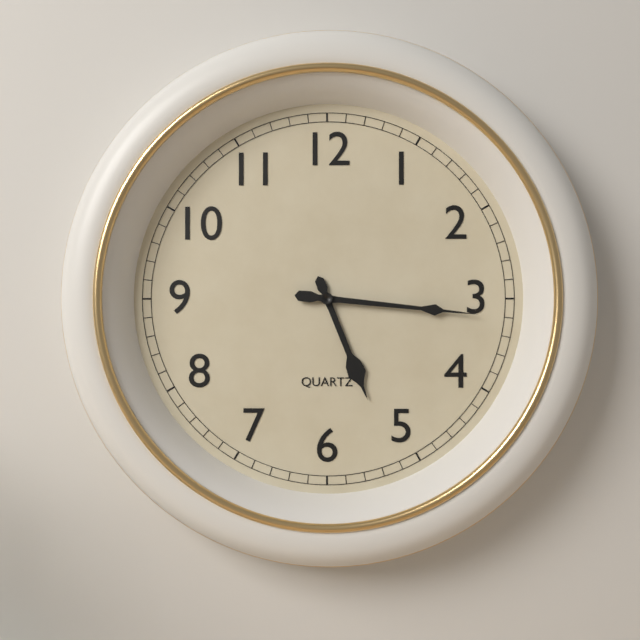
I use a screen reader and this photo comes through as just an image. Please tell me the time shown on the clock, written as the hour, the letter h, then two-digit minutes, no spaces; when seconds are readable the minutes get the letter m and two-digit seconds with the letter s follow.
5h16
